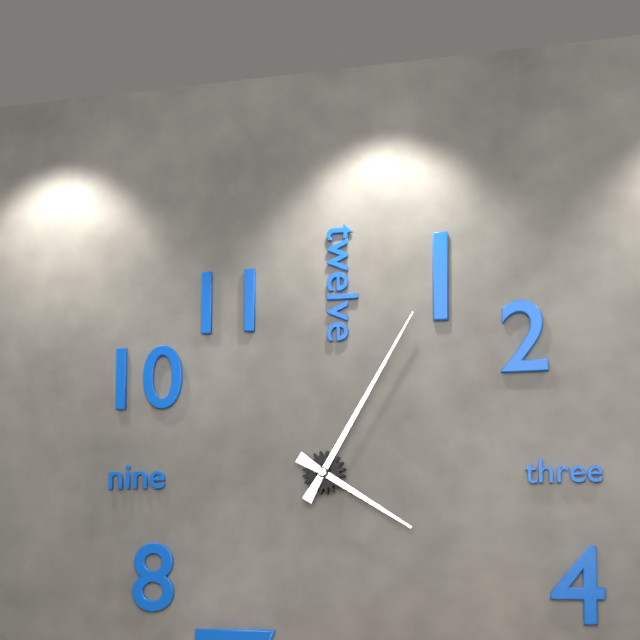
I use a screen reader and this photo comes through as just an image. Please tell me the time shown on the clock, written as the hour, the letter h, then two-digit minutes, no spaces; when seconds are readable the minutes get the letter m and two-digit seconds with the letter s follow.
4h05
